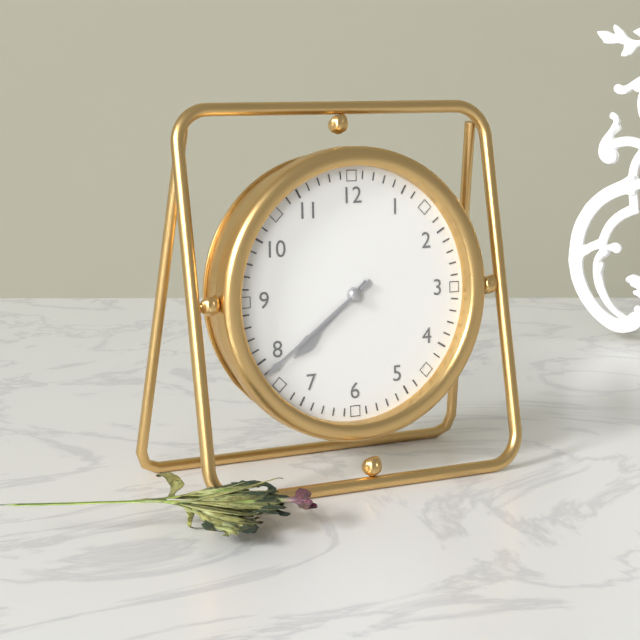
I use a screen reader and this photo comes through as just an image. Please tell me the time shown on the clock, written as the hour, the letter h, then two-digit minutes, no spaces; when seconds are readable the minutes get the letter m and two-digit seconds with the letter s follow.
7h39
